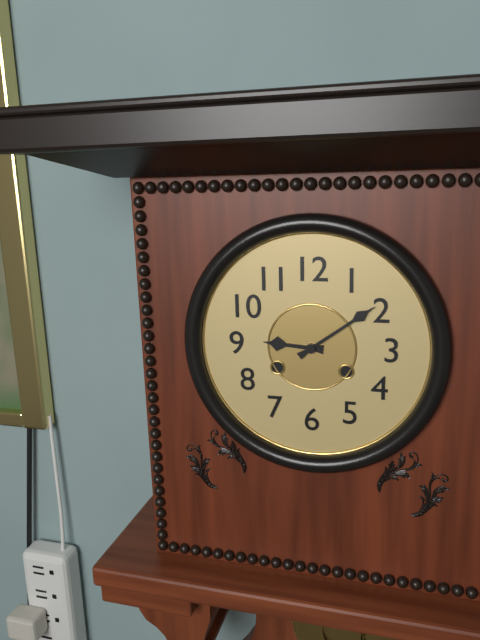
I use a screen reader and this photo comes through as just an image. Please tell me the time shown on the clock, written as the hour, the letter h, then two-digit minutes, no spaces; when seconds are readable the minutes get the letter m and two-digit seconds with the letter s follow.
9h09
